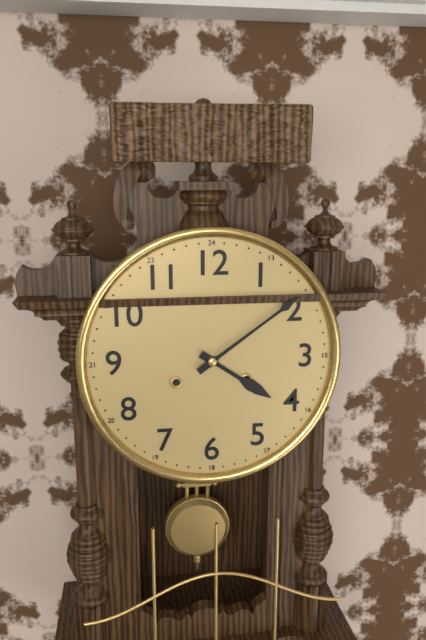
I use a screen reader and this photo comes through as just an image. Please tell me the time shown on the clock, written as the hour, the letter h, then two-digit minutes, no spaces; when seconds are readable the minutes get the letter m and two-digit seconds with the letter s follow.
4h09
